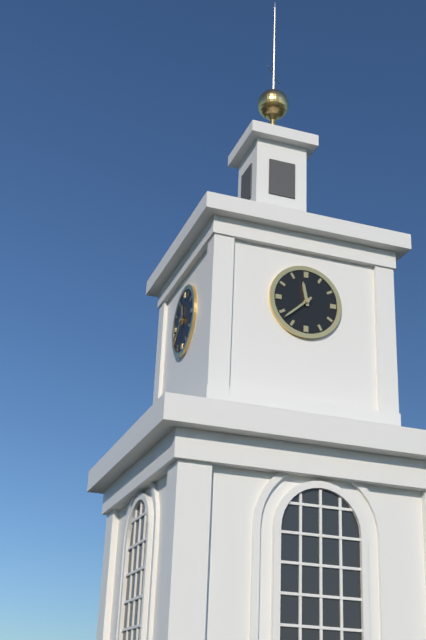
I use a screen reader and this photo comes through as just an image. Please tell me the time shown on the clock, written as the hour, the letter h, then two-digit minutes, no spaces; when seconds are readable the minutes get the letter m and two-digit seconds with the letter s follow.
11h38
